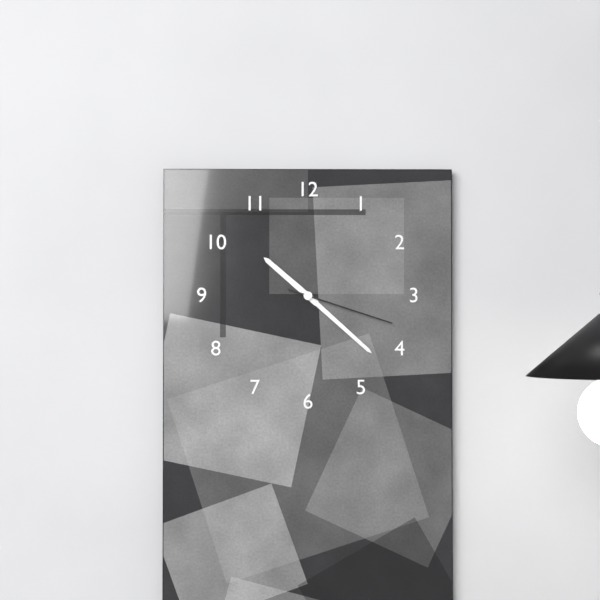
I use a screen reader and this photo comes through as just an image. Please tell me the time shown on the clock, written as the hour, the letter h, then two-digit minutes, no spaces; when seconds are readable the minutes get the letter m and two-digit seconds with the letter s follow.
10h22m18s
